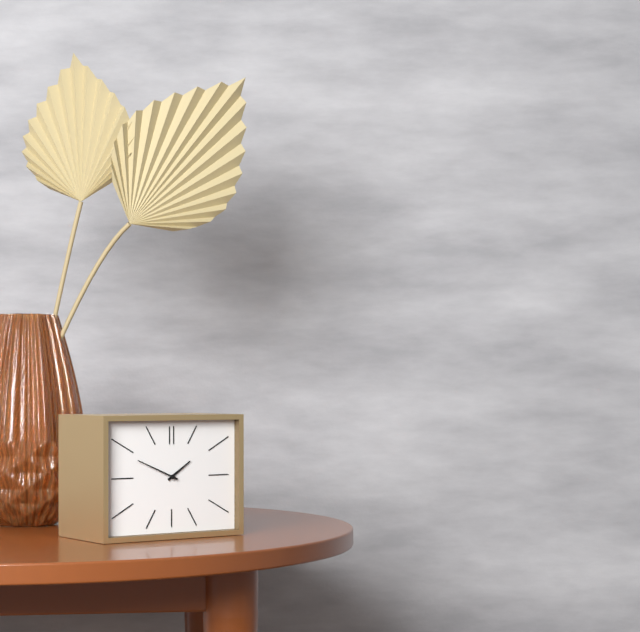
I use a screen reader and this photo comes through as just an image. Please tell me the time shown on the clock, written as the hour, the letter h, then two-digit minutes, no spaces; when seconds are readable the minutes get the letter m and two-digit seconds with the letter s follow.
1h49
